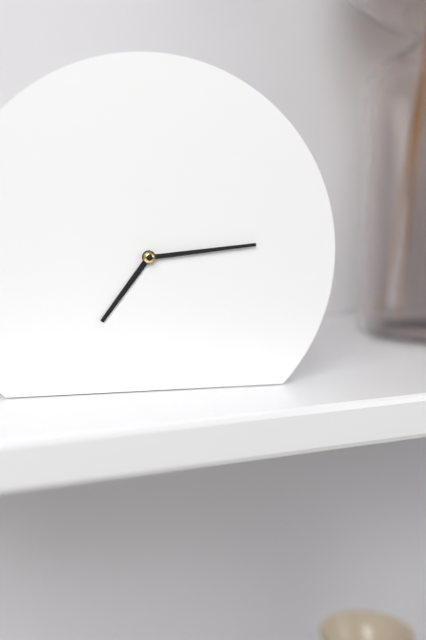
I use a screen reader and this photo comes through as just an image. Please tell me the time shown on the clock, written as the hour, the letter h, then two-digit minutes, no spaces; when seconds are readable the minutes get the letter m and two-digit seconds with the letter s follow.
7h14
